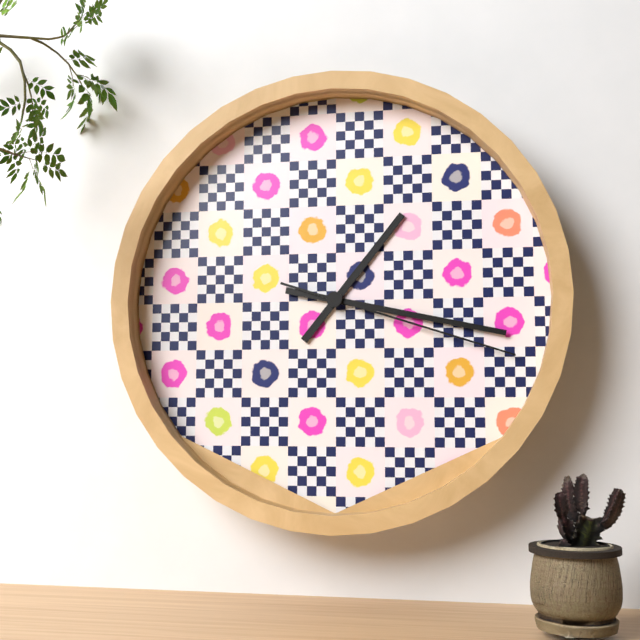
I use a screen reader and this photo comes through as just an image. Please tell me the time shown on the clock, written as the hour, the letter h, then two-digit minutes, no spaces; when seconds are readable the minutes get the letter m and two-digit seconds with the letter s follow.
1h17m18s
